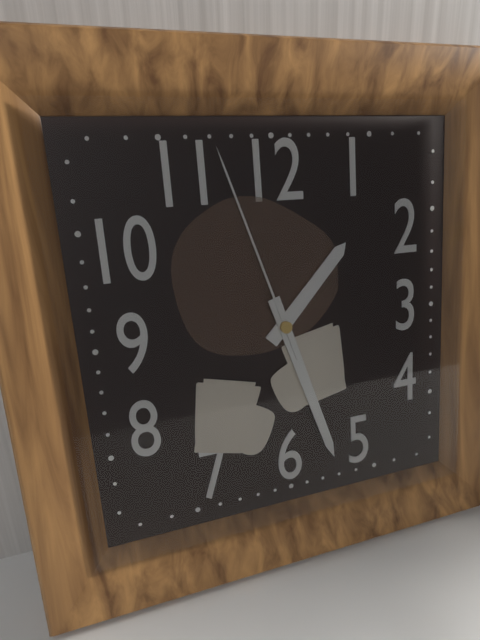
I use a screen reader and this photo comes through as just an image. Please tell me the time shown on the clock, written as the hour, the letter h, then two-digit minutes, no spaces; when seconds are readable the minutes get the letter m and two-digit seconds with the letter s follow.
1h27m57s
